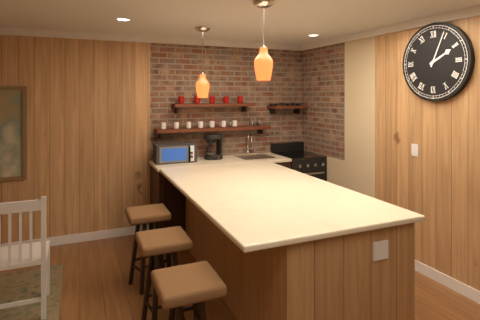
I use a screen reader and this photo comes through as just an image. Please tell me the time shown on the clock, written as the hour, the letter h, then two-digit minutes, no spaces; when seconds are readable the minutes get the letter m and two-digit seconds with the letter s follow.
2h04
